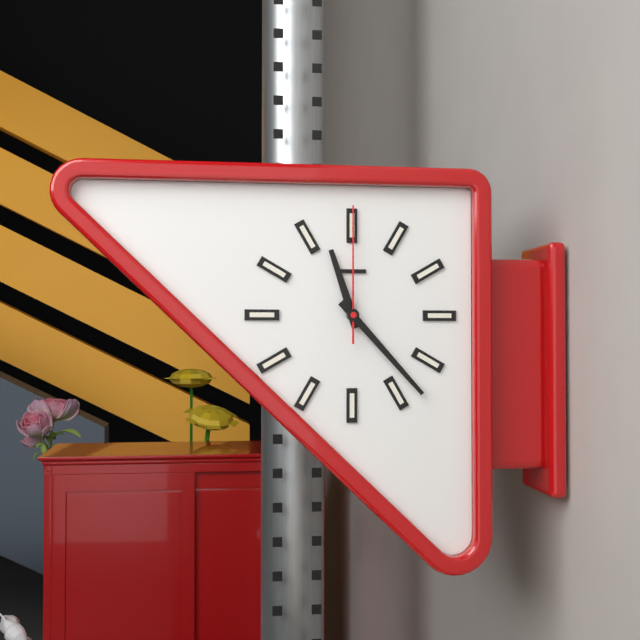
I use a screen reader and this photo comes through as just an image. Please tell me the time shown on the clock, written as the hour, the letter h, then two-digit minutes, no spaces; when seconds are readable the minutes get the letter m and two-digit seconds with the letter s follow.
11h23m00s
